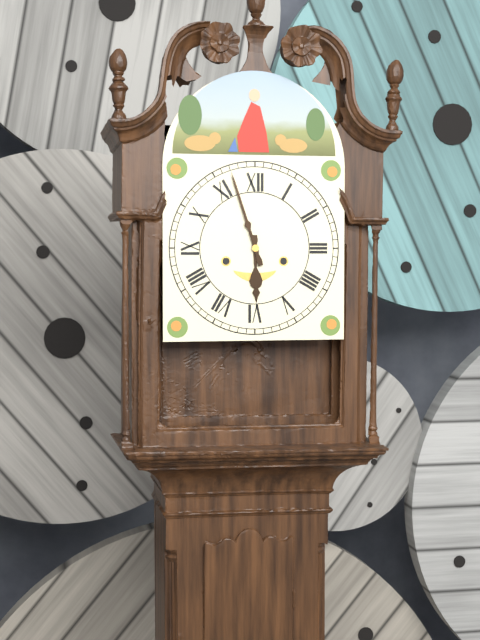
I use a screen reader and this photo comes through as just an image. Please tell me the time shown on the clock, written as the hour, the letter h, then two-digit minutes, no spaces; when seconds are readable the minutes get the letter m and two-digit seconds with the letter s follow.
5h57
